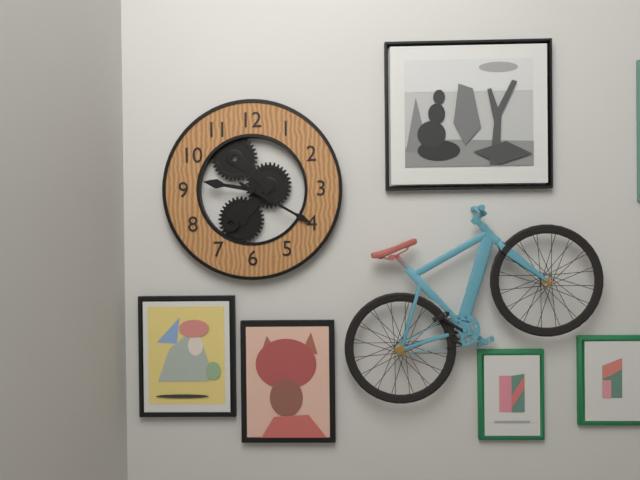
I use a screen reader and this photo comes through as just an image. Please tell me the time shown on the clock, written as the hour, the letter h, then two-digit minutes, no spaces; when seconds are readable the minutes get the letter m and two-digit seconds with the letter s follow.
9h20
